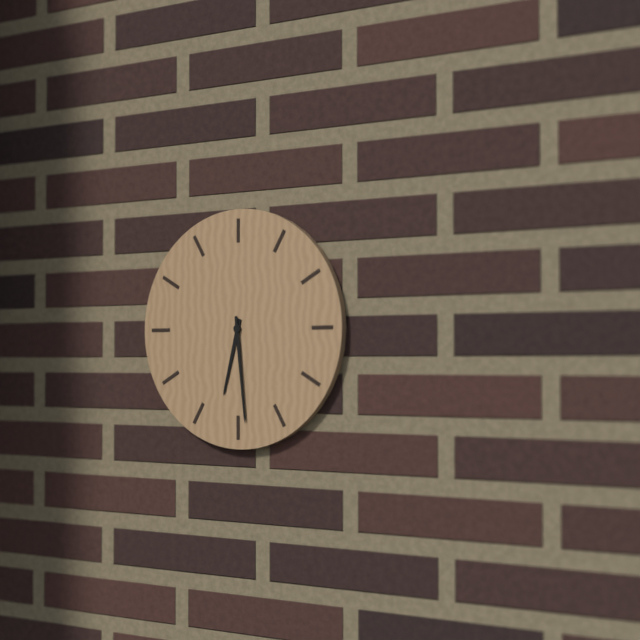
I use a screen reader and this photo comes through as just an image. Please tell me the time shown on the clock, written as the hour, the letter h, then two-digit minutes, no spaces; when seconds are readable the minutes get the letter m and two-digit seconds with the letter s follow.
6h29
